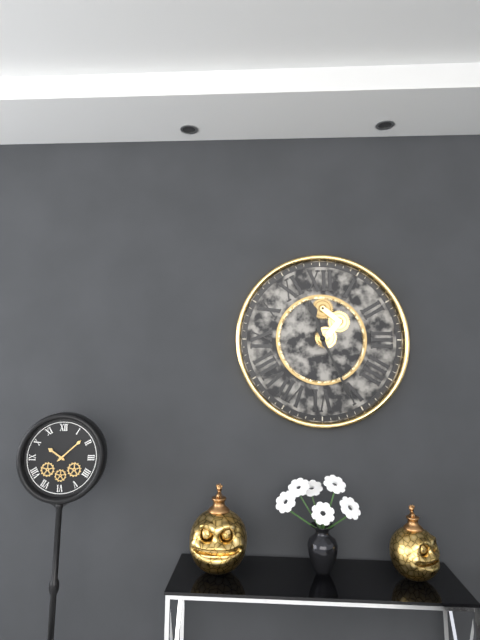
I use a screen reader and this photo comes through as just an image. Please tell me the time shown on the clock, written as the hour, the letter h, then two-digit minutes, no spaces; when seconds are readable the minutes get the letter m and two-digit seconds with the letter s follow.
11h26
